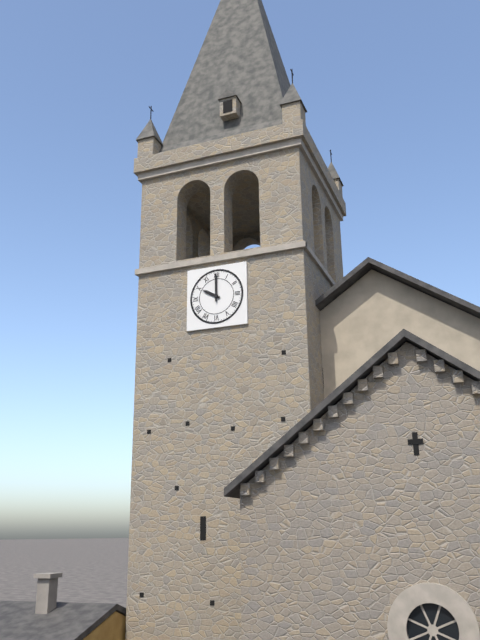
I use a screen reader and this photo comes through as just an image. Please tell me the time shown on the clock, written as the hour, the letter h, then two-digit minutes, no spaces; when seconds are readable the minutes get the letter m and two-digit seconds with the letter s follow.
10h00
